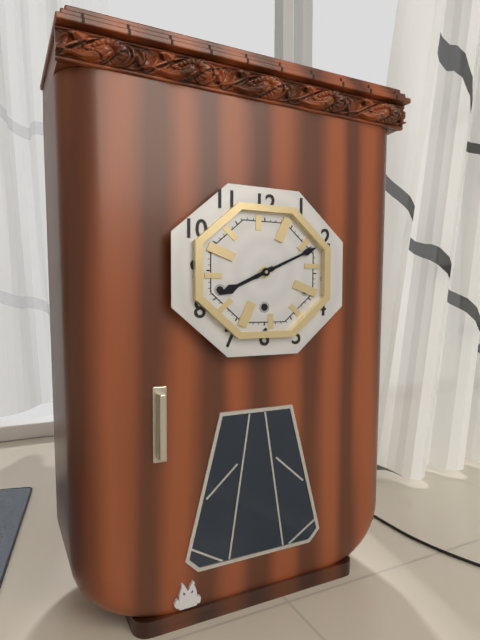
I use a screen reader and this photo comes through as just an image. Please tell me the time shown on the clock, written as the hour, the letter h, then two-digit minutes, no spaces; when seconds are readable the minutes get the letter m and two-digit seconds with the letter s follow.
8h11
